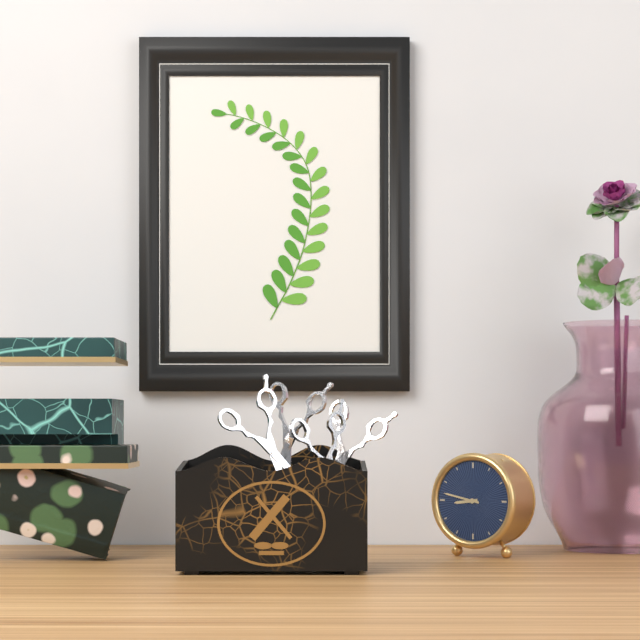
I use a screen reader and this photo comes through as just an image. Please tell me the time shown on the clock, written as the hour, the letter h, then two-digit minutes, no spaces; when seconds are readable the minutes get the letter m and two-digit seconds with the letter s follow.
8h47
